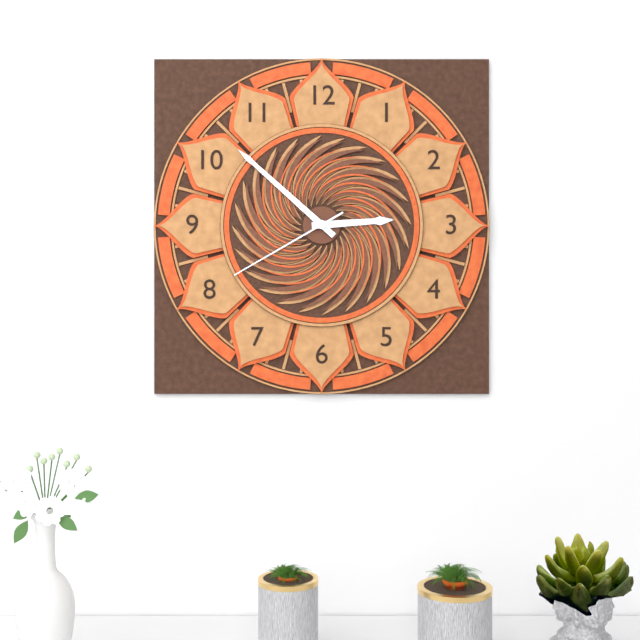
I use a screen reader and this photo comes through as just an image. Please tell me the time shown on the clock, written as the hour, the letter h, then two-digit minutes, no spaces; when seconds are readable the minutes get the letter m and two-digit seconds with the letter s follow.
2h52m40s
